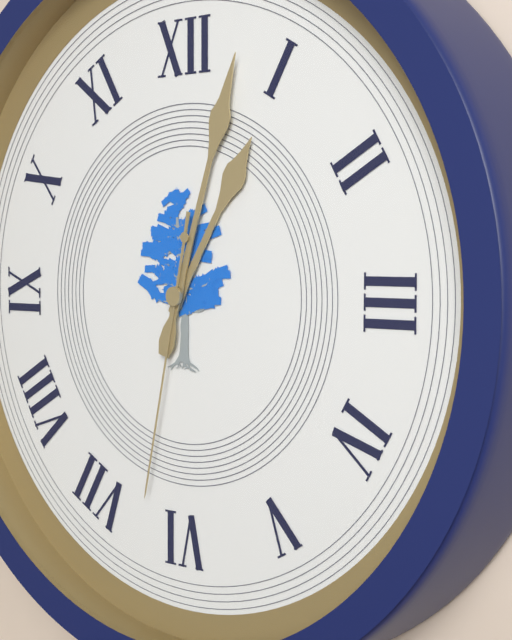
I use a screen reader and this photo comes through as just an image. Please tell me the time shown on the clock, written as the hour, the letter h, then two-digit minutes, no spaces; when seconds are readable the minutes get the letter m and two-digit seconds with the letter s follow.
1h03m32s
